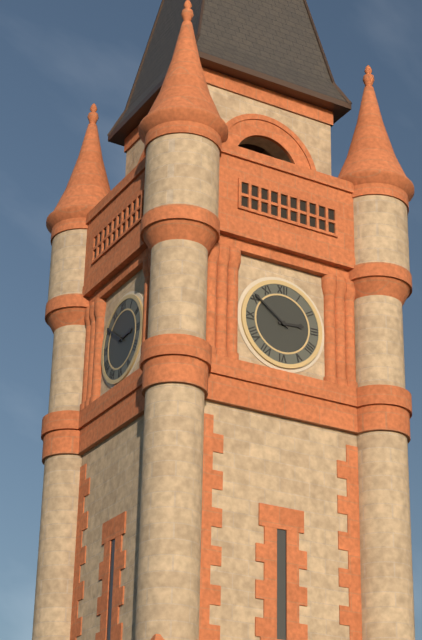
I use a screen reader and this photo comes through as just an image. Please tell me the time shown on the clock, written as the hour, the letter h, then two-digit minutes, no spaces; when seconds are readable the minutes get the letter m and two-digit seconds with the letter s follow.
2h51
